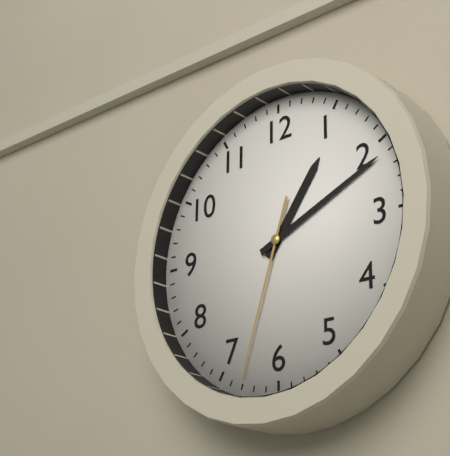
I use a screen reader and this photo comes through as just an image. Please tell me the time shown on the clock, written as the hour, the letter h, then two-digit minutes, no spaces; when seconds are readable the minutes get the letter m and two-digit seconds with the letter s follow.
1h11m33s
